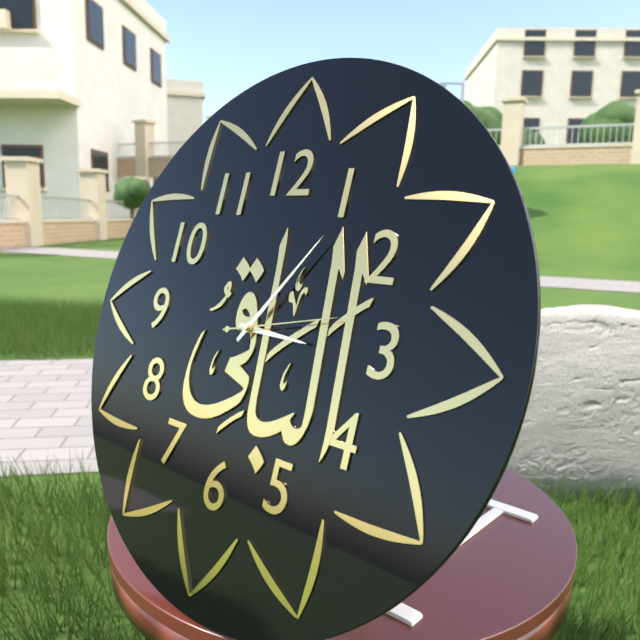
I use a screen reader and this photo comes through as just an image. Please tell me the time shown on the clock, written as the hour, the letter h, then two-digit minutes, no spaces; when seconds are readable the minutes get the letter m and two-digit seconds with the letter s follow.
3h06m13s
